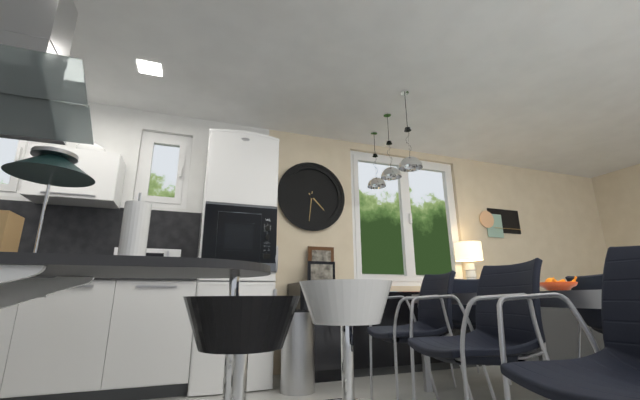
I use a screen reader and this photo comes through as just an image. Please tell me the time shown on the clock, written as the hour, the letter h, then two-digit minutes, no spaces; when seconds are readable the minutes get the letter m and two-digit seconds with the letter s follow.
4h31
